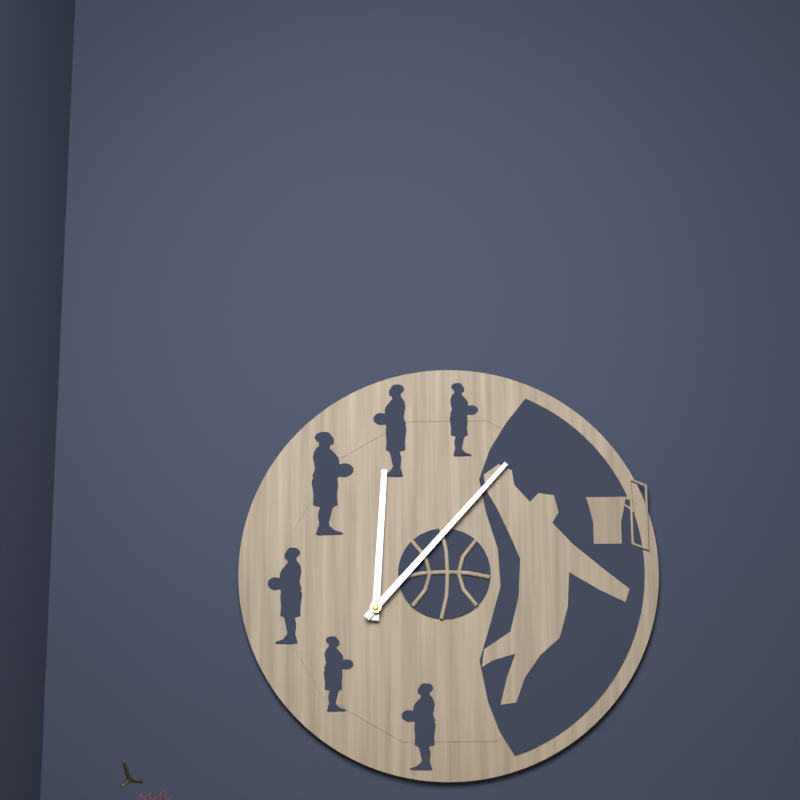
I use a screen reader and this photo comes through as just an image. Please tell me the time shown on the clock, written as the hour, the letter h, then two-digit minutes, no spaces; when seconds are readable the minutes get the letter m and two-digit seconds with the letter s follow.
12h07
